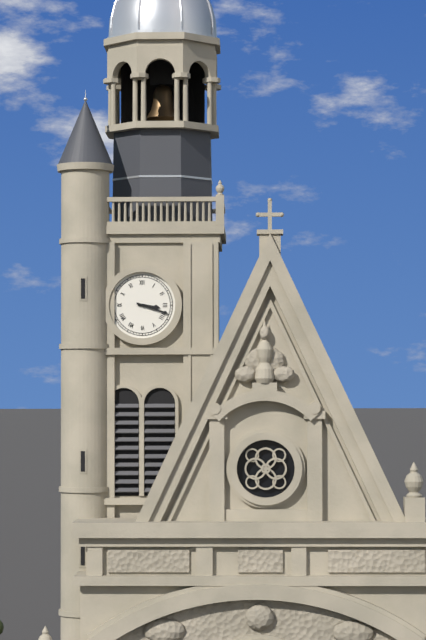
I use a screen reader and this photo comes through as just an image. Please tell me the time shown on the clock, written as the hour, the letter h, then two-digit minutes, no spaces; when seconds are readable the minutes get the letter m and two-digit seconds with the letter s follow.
3h18
